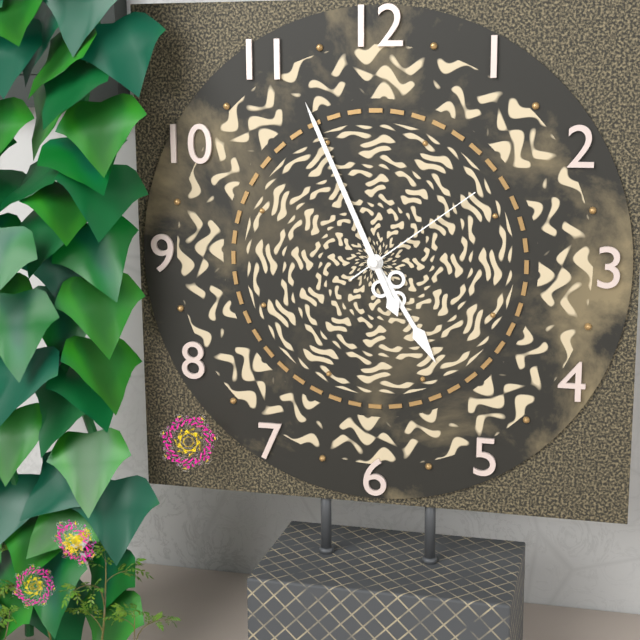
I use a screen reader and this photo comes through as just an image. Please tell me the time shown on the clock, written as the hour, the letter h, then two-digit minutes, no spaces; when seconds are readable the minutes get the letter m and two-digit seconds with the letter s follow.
4h56m09s
